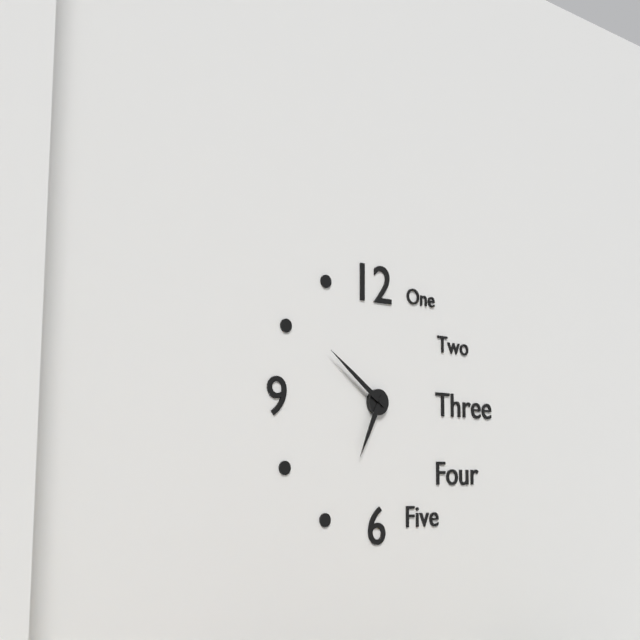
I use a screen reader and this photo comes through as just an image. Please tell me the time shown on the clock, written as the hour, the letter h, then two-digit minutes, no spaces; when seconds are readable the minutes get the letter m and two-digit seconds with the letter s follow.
6h51
